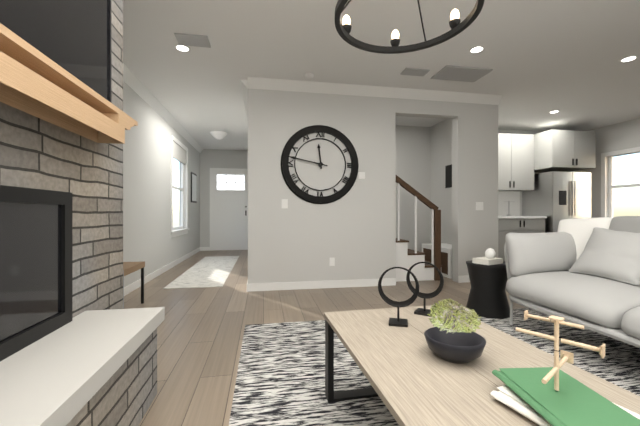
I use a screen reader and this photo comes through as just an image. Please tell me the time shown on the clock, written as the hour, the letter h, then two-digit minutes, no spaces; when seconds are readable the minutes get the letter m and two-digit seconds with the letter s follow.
11h47
